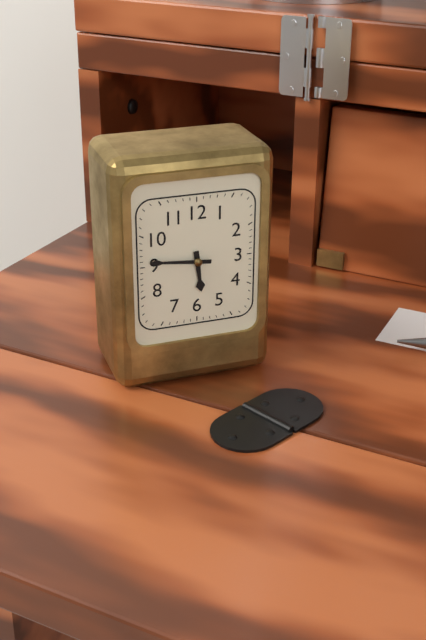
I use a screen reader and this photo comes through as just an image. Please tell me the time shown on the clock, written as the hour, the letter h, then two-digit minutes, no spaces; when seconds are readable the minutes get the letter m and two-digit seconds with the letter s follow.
5h46
